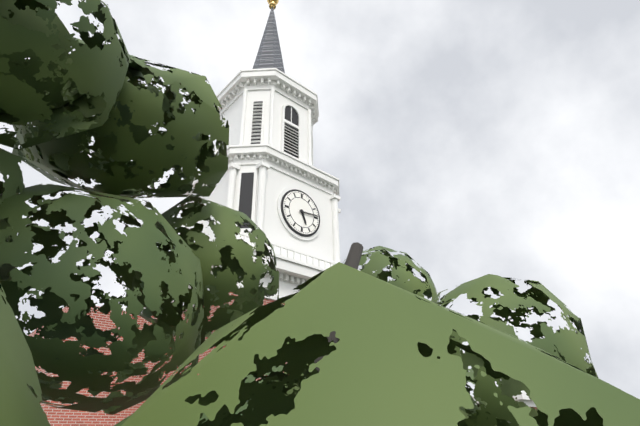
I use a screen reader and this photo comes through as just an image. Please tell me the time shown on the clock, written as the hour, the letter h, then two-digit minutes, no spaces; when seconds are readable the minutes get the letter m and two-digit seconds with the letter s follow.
5h14
